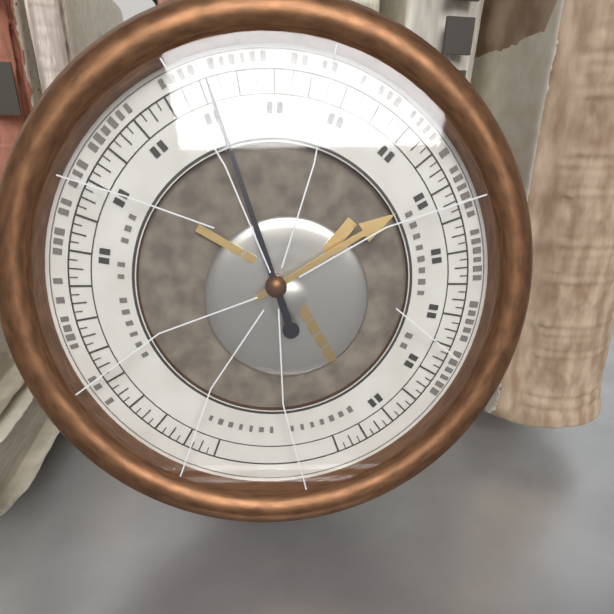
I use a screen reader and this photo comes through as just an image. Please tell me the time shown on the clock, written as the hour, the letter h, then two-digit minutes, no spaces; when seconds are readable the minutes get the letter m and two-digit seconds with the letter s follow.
1h57
